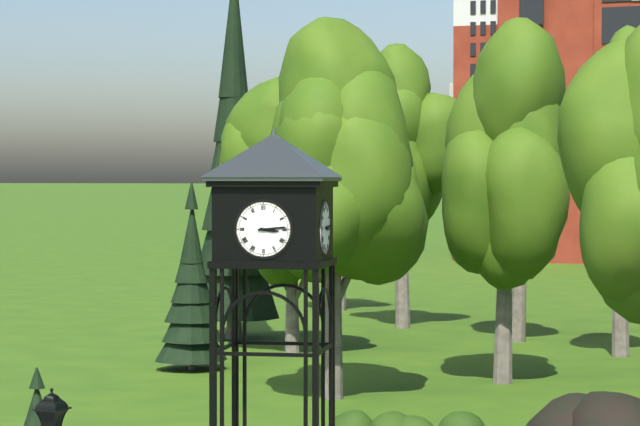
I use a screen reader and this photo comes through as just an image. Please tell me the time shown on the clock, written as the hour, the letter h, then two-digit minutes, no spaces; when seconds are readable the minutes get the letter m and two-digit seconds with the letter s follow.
3h14
